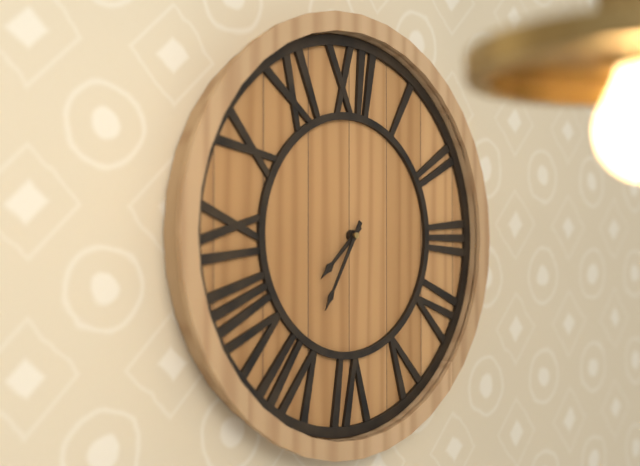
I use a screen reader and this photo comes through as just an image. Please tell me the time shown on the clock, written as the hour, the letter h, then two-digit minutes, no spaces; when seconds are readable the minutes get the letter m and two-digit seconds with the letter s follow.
7h35
